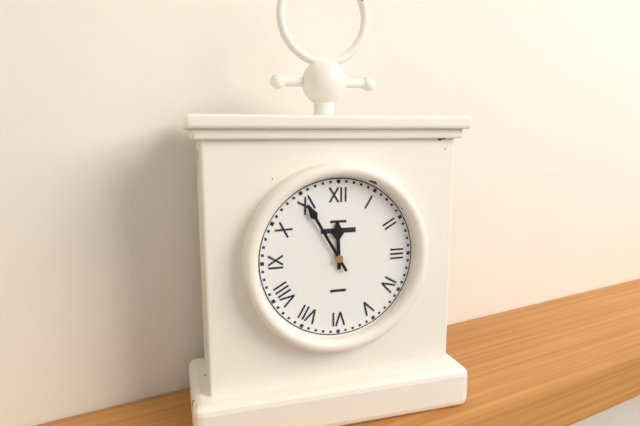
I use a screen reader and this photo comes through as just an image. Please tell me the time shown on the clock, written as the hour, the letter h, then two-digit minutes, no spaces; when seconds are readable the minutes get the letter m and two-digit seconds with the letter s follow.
11h55
